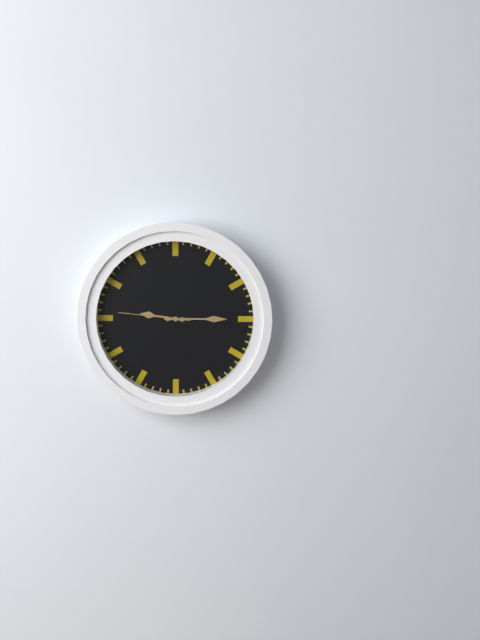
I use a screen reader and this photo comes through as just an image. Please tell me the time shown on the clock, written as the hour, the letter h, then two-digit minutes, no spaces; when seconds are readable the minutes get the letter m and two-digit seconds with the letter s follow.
9h15m46s
